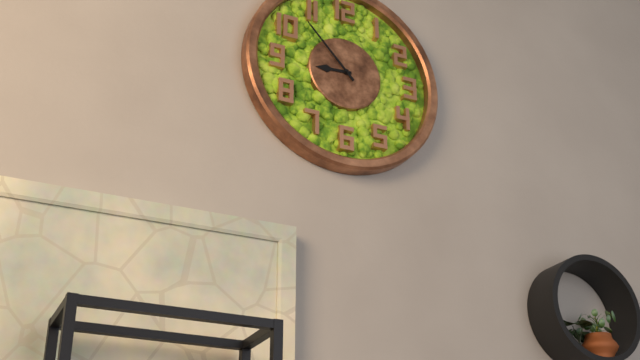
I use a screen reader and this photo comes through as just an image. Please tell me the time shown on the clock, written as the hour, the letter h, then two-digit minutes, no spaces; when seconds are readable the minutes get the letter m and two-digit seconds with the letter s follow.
8h53
